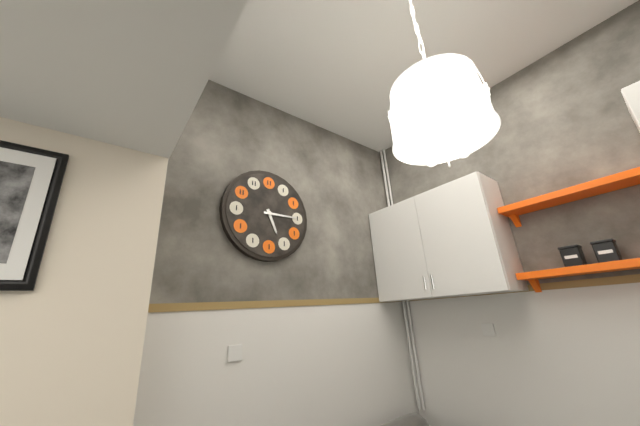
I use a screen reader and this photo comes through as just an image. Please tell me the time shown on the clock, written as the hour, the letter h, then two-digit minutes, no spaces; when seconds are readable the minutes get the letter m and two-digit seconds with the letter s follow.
5h15
